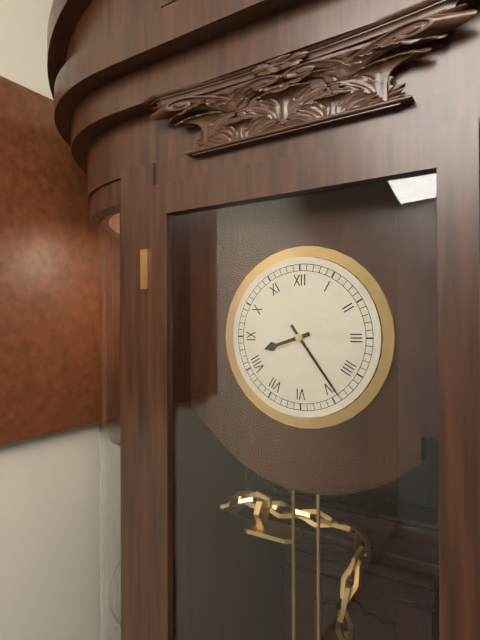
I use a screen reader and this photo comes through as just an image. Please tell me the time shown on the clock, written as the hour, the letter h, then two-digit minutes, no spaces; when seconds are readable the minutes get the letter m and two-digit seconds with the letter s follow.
8h24
